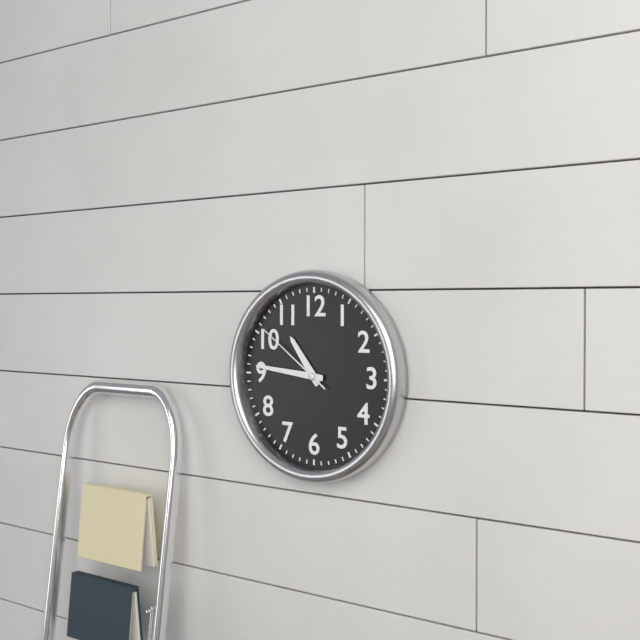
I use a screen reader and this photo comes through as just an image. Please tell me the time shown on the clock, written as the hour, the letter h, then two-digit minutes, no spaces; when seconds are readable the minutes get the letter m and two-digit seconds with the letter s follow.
10h46m51s
